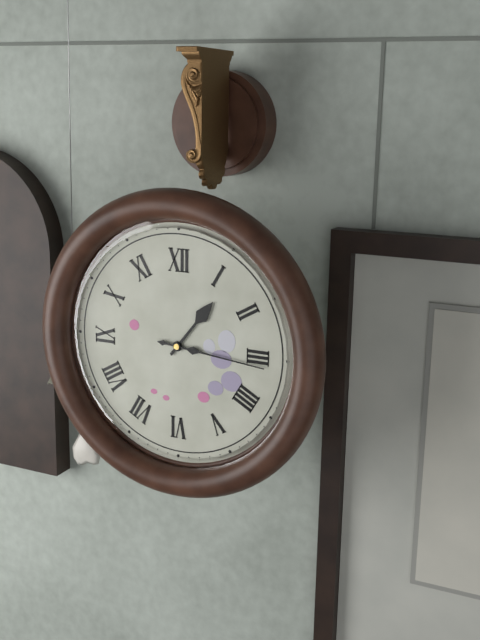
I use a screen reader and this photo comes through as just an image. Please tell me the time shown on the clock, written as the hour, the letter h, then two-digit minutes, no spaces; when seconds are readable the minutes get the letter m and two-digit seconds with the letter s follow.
1h16
